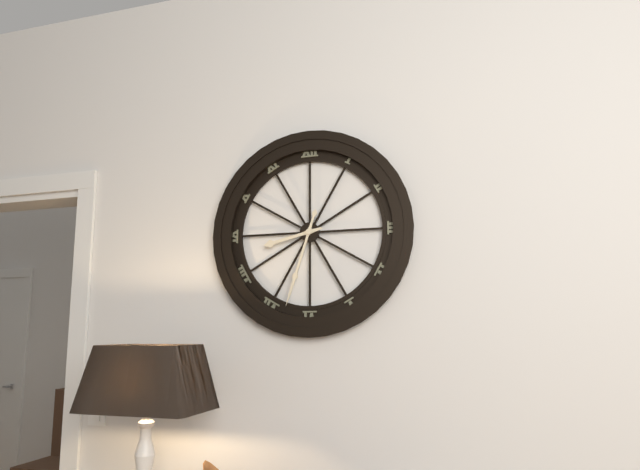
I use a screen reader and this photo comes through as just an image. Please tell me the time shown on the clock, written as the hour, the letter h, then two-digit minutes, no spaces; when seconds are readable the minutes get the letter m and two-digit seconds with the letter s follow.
8h33
